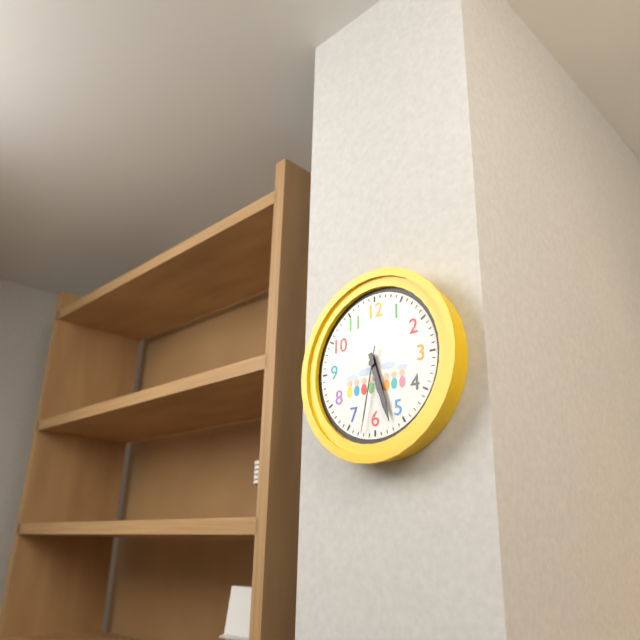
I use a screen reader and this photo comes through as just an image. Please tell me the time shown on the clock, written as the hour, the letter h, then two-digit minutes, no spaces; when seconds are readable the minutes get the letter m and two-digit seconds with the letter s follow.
5h27m32s
